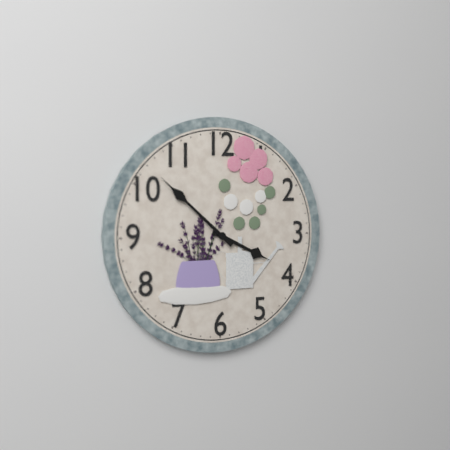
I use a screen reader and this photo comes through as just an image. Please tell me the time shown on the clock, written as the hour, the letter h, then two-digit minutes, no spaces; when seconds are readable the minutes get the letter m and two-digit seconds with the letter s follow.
3h52
